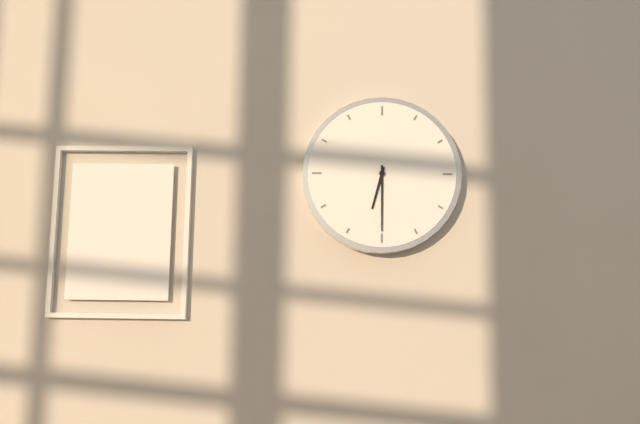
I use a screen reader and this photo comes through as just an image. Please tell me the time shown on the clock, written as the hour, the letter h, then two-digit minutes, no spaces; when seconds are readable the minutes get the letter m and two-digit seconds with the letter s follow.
6h30
